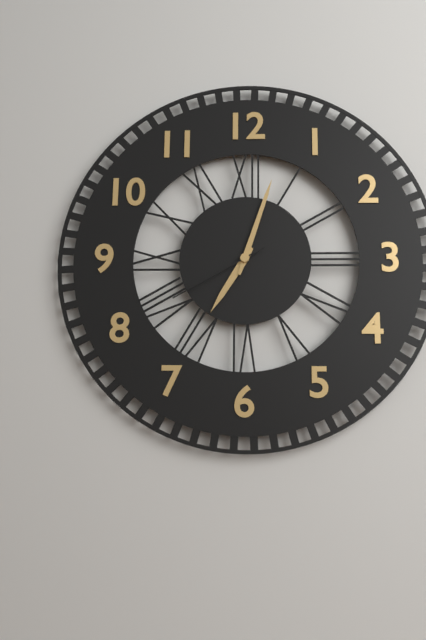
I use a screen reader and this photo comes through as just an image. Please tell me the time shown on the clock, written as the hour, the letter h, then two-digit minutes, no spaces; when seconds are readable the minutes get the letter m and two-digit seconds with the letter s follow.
7h03m40s
